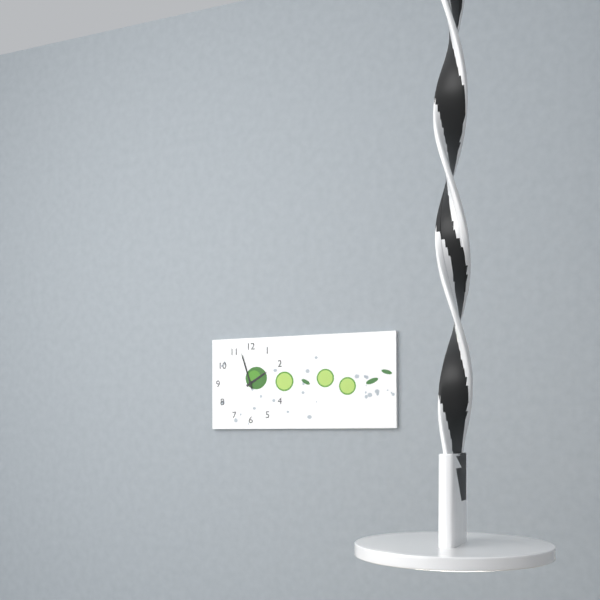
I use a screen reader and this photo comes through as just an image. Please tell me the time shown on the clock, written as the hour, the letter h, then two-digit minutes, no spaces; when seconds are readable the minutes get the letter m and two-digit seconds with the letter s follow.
1h57
